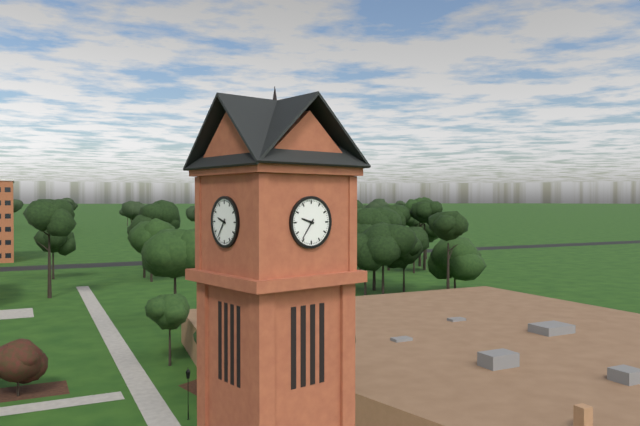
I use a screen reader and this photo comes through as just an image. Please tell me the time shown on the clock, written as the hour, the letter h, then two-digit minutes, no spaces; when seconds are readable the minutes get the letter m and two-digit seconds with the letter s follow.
9h36
